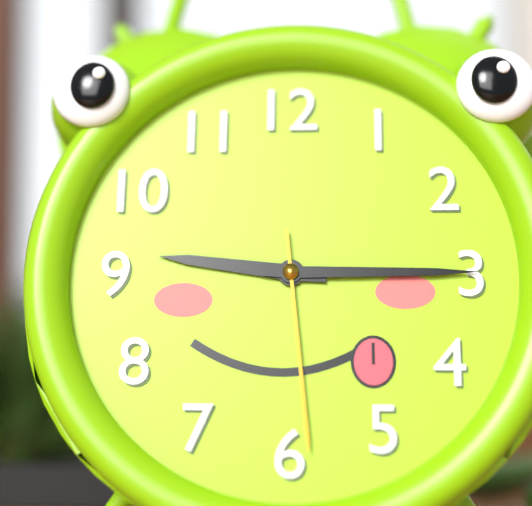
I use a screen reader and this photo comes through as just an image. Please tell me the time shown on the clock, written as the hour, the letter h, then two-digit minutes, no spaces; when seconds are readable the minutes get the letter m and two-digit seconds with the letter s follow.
9h15m29s
